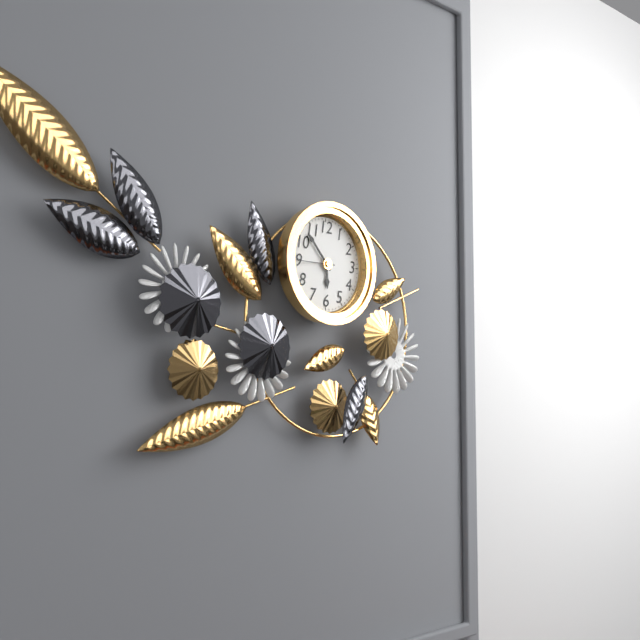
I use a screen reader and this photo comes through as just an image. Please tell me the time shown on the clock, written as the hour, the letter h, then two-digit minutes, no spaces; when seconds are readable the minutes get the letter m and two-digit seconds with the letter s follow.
5h53
